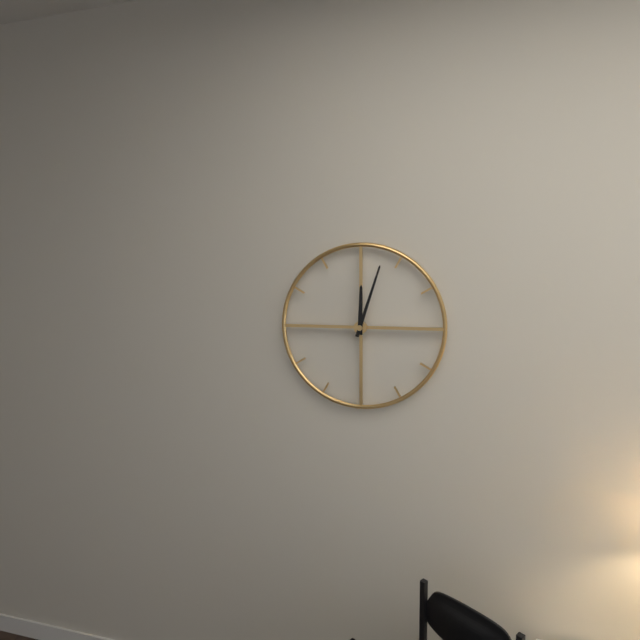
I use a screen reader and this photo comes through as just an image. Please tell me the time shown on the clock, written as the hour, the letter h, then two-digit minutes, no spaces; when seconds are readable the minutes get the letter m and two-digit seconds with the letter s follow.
12h03
